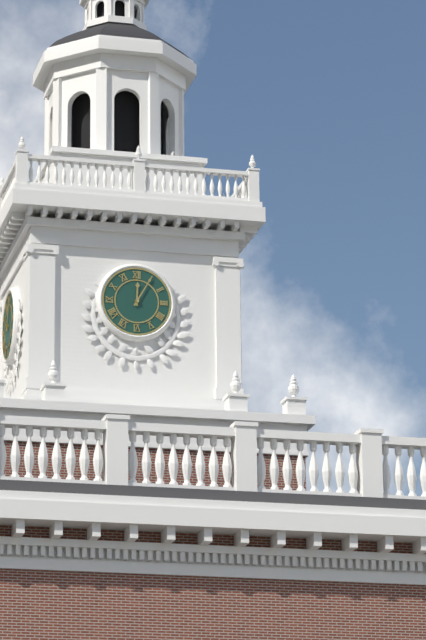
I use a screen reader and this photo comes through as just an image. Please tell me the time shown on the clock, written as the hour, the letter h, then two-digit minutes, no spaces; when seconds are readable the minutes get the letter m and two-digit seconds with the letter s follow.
12h05
